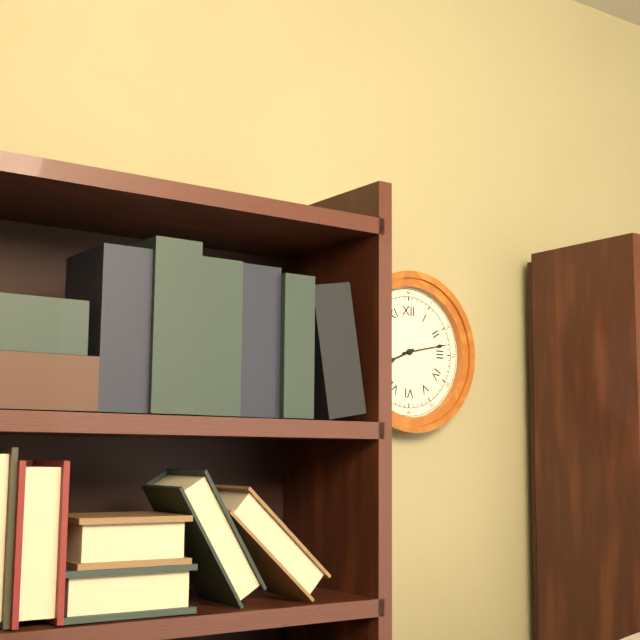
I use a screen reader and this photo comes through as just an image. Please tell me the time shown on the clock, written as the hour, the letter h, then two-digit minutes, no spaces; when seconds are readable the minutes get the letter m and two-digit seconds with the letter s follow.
8h13
